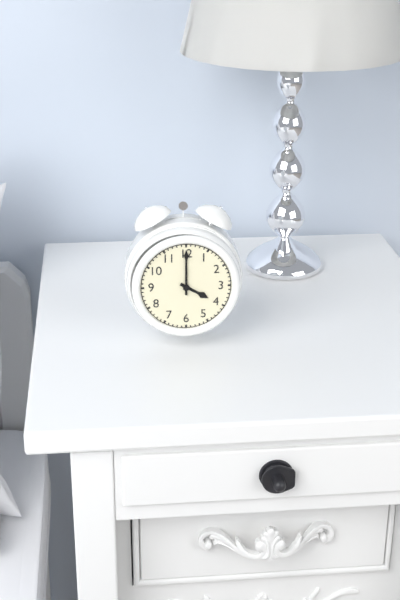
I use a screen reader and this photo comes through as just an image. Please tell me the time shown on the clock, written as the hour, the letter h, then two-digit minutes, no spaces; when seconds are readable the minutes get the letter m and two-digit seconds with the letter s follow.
4h00
